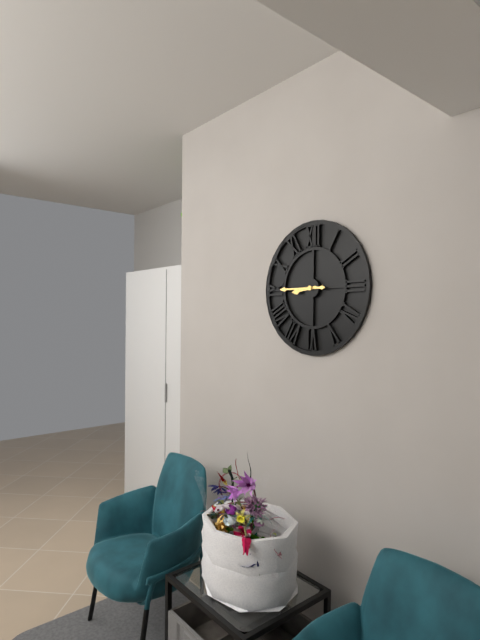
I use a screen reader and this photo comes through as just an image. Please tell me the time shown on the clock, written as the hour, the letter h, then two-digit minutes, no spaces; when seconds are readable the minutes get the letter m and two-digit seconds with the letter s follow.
8h45
